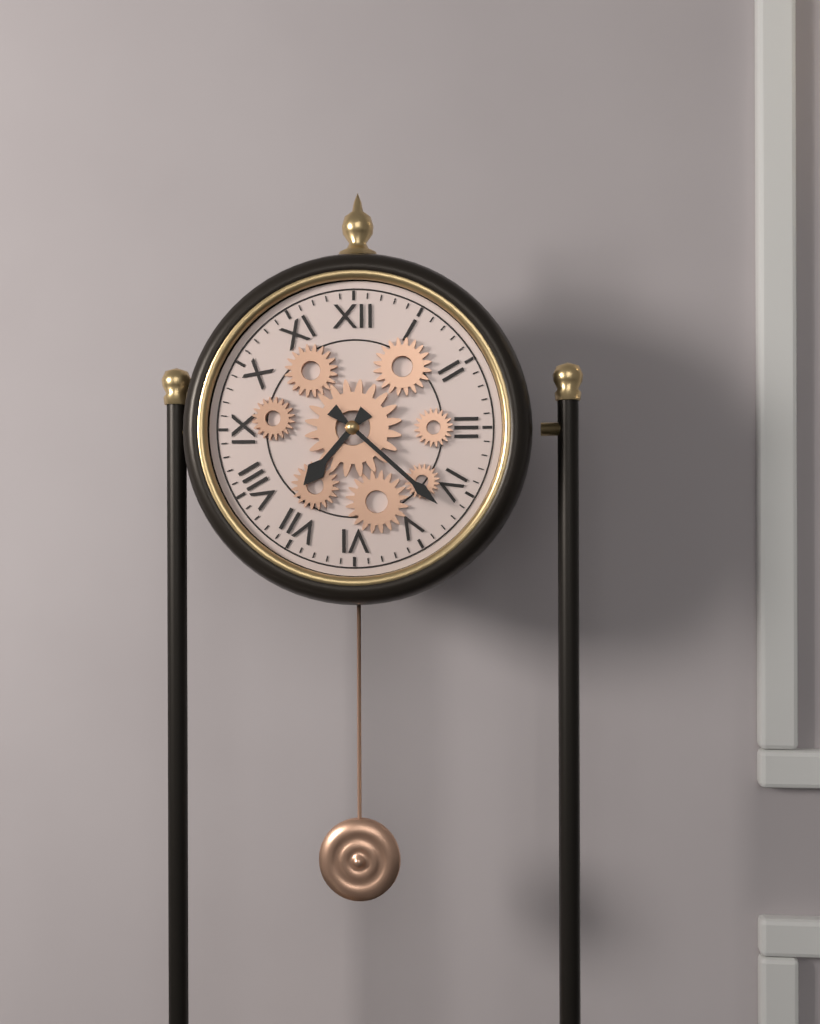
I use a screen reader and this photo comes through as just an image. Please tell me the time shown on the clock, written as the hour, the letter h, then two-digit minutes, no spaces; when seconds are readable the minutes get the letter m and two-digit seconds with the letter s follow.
7h22
